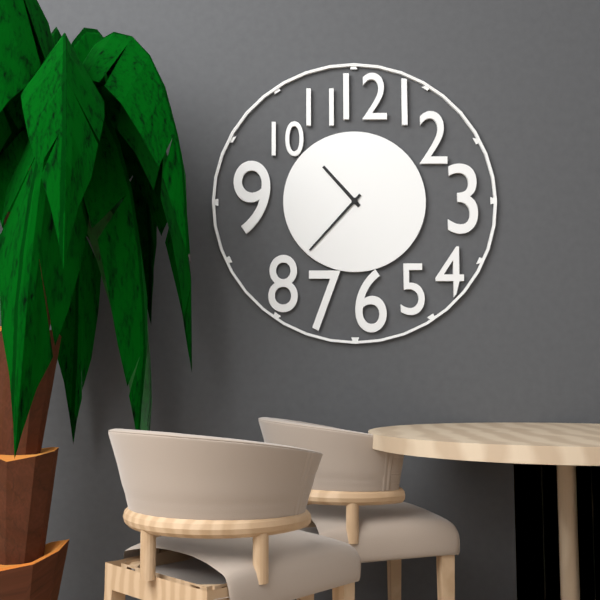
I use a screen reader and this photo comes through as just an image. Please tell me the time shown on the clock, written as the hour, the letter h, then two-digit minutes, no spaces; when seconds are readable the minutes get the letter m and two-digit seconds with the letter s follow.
10h37
